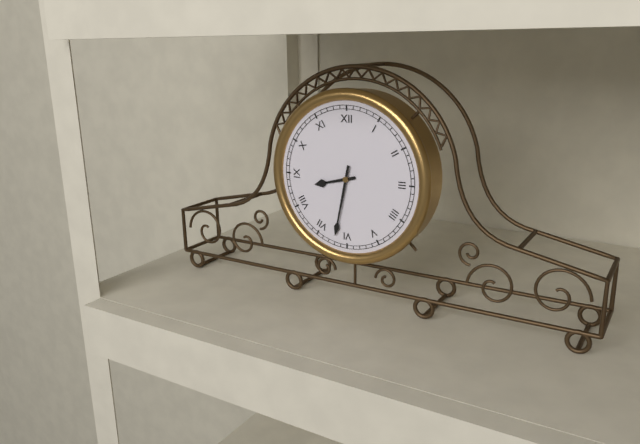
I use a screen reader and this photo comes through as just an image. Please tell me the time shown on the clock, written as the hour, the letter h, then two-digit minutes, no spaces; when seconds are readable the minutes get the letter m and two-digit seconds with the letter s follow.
8h32
